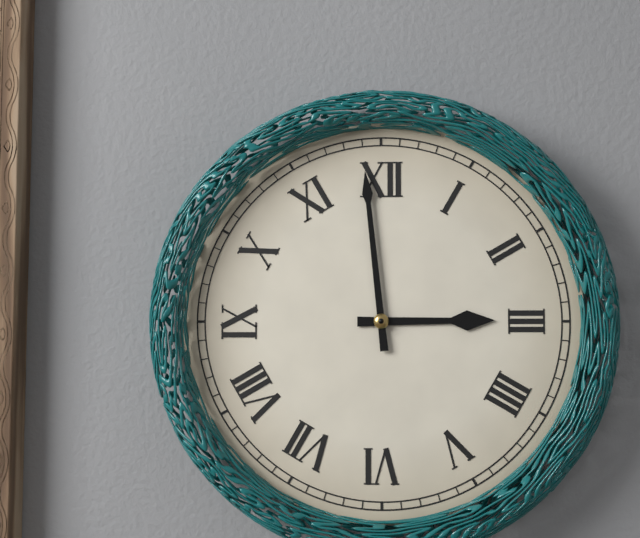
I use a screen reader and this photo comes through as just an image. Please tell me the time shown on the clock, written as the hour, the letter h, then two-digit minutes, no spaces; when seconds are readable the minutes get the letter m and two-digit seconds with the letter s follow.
2h59
